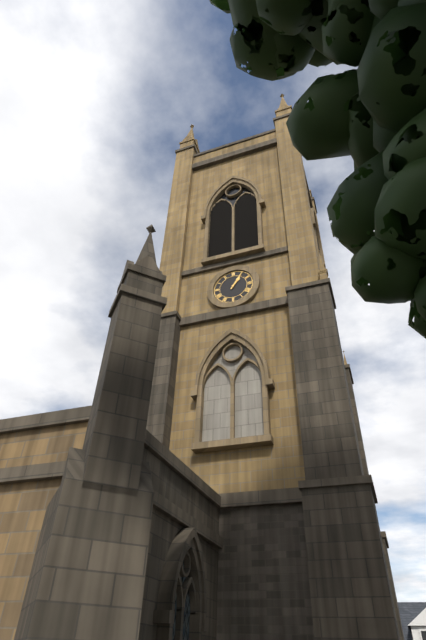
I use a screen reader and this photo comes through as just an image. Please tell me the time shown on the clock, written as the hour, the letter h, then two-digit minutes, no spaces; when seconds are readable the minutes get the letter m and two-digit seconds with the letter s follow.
1h05
